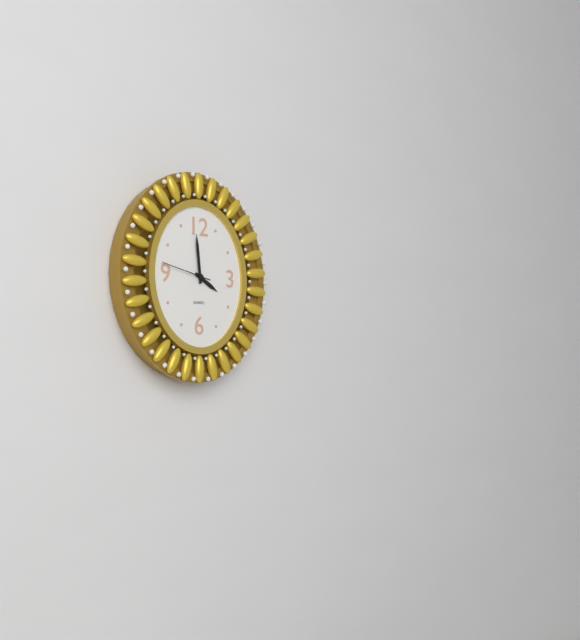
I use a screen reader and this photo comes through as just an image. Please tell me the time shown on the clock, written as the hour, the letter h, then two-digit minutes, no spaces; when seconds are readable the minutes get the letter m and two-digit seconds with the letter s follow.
3h59m47s
